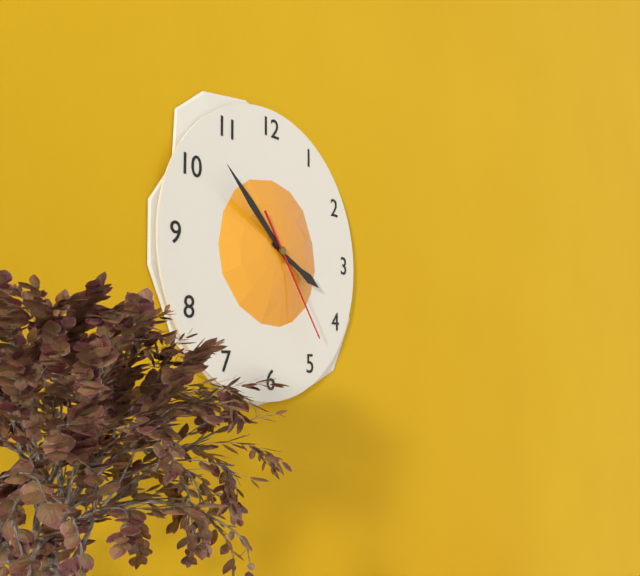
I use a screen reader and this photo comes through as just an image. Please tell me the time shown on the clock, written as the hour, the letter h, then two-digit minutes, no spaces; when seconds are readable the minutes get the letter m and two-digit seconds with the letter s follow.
3h52m24s
